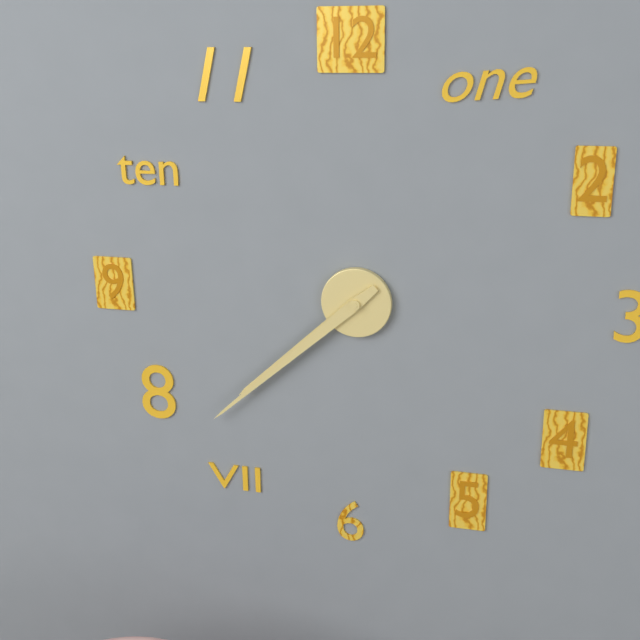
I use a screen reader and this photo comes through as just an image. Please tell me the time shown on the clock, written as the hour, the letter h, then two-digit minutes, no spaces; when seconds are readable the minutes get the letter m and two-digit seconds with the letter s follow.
7h38
